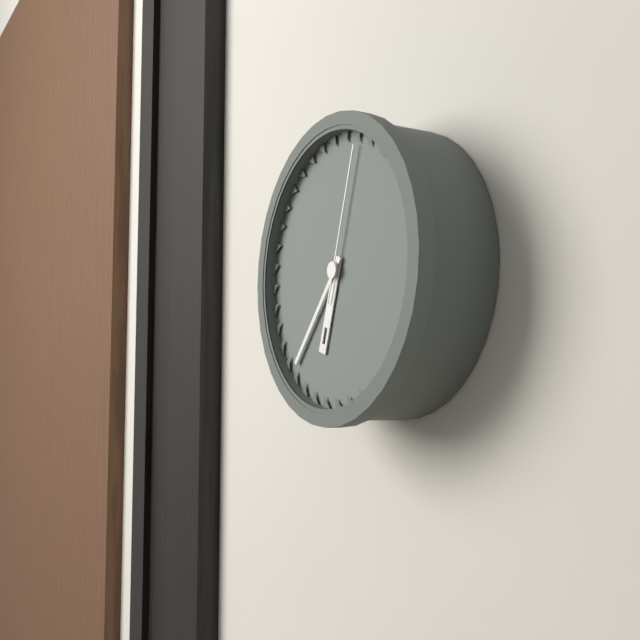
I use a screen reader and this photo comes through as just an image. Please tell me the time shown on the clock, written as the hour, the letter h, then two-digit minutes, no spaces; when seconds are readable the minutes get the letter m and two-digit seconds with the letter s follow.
6h37m03s
